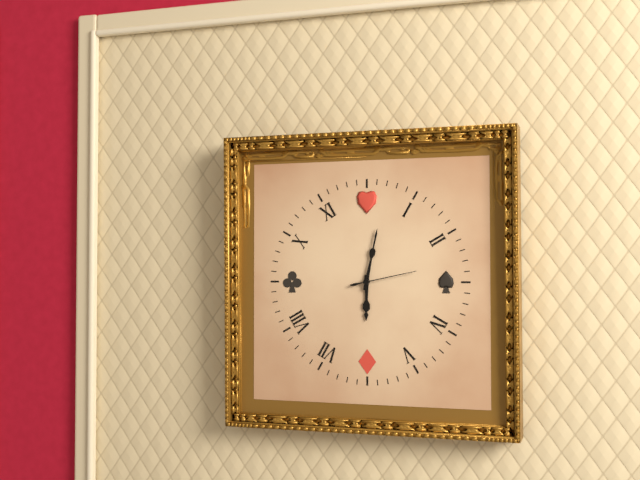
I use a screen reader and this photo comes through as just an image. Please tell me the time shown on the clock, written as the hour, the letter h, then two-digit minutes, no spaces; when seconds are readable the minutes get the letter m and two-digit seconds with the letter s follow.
6h02m13s
